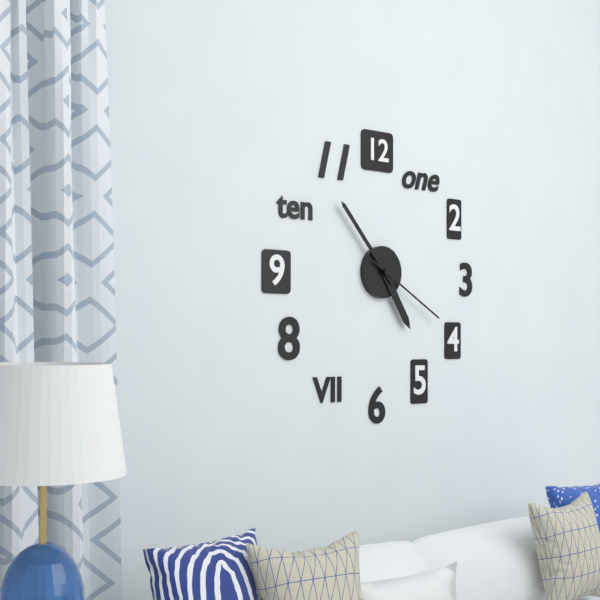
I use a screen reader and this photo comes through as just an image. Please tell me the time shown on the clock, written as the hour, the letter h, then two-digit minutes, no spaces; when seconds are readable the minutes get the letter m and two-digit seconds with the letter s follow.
4h53m20s
